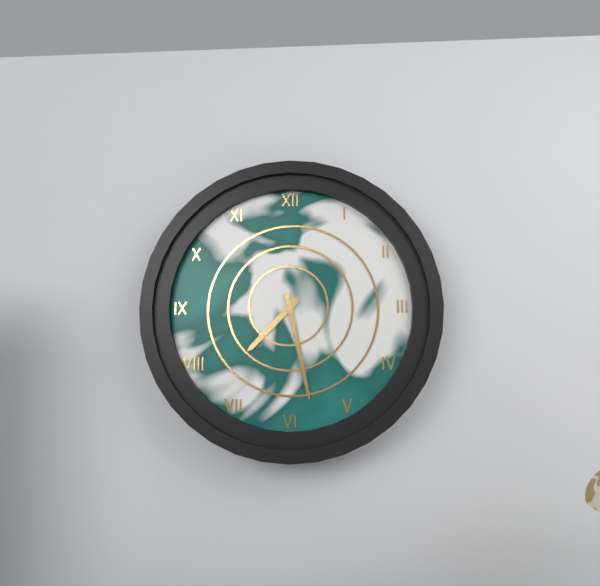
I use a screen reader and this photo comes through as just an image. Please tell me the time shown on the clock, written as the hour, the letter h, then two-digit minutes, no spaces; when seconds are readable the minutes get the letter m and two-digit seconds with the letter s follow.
7h28
